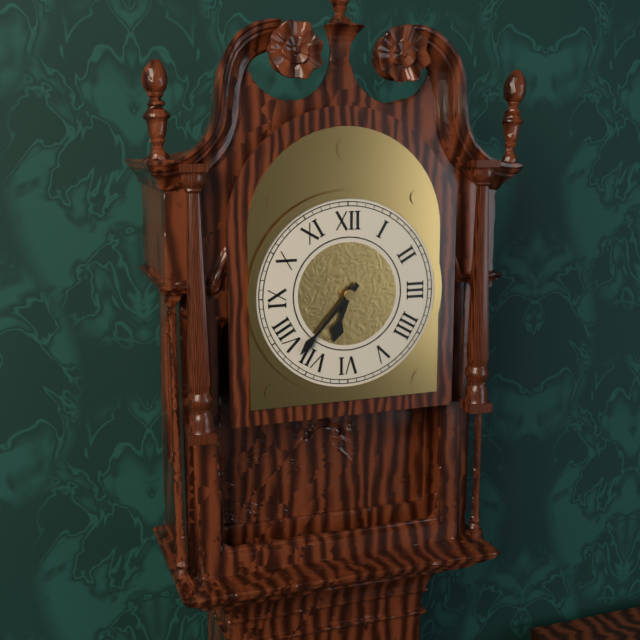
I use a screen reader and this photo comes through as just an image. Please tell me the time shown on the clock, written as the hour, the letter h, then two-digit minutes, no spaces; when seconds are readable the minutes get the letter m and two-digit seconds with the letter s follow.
6h37
